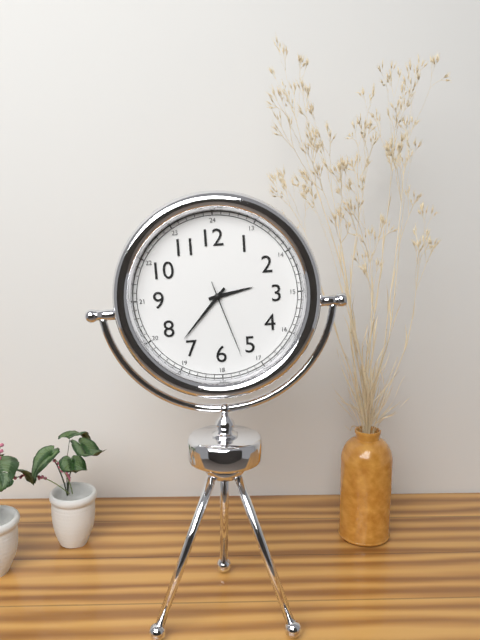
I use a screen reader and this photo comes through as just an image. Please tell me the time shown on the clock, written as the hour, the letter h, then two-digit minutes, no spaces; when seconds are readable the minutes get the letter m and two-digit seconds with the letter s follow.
2h37m27s
